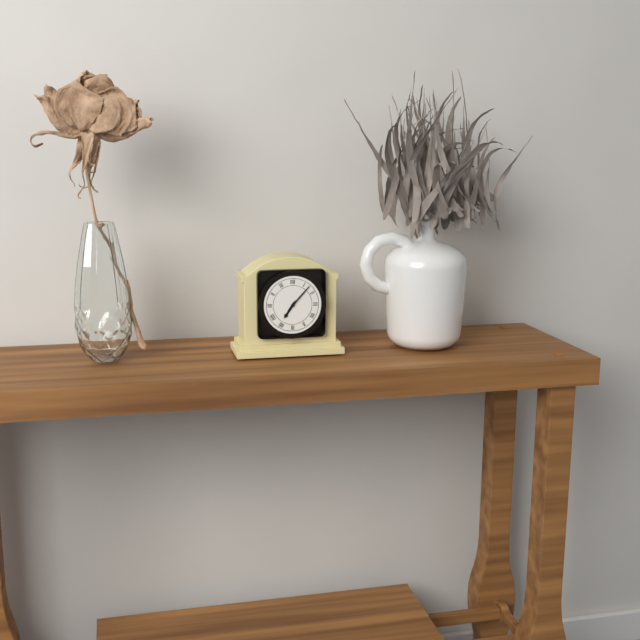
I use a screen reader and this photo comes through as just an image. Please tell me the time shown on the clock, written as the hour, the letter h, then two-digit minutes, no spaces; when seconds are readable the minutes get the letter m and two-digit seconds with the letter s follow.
7h07
